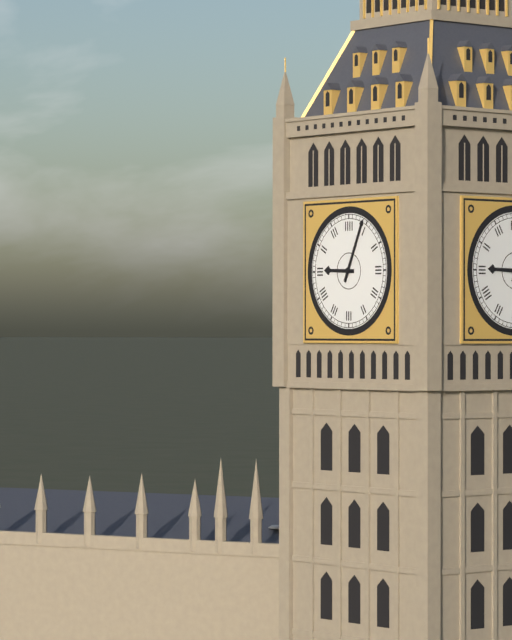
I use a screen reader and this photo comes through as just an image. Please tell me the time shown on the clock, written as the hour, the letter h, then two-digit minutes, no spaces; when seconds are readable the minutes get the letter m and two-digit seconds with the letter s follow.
9h04
